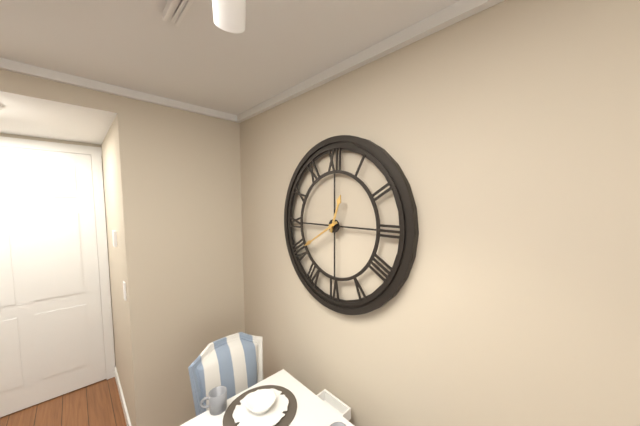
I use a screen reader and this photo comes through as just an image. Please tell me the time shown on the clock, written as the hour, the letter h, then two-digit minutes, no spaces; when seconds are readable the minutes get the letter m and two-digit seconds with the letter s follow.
12h40
